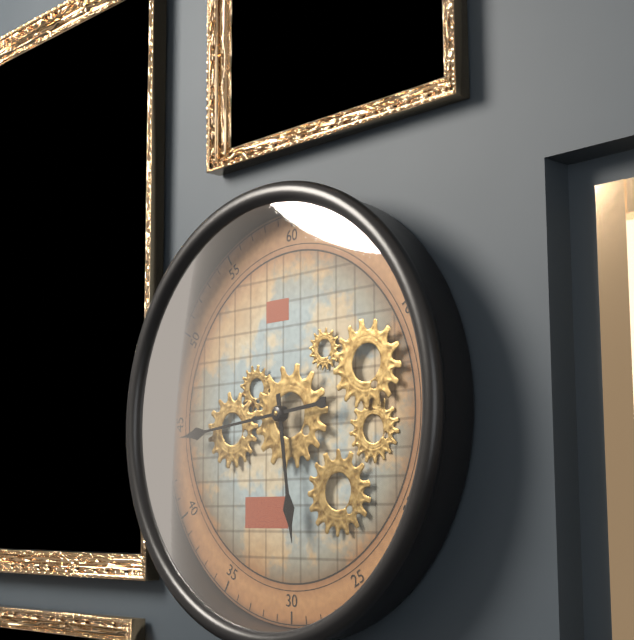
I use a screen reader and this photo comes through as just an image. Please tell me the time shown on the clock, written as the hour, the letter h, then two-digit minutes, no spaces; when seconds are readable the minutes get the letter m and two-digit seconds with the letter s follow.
5h44
